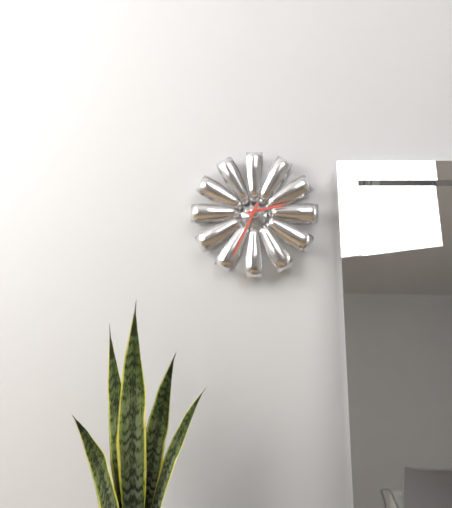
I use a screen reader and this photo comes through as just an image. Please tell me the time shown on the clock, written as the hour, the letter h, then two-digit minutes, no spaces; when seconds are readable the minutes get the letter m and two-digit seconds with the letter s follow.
2h34
